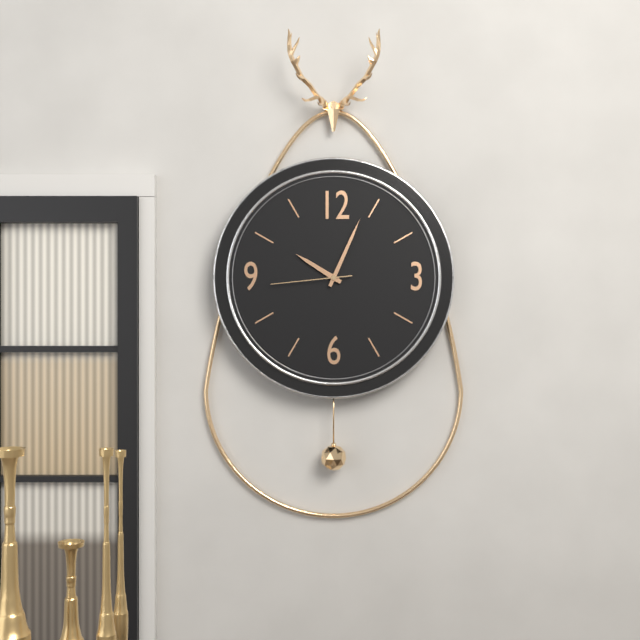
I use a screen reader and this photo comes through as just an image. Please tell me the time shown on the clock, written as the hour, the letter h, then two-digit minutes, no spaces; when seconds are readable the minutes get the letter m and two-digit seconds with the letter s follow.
10h04m44s
